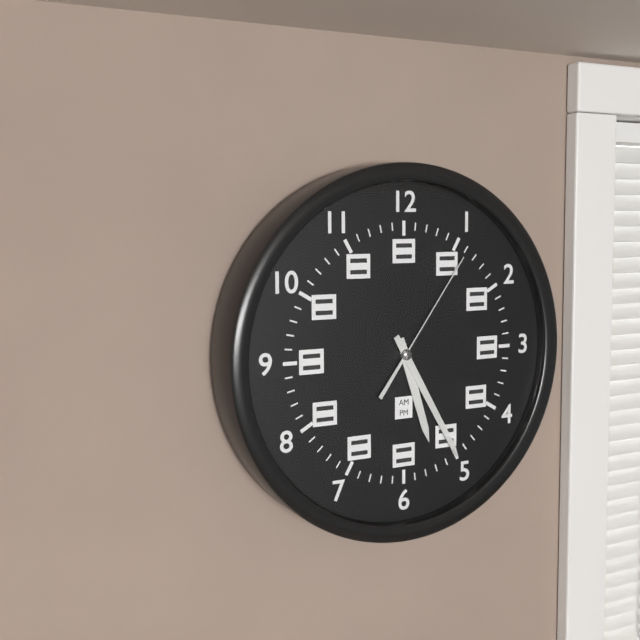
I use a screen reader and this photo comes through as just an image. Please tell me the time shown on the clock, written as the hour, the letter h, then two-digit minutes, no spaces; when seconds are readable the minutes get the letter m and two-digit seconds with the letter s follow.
5h25m06s
